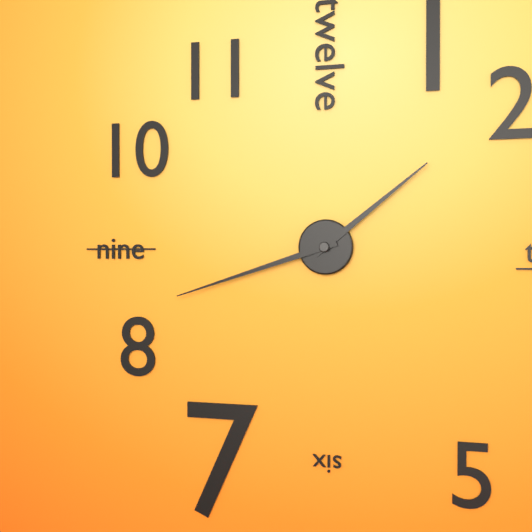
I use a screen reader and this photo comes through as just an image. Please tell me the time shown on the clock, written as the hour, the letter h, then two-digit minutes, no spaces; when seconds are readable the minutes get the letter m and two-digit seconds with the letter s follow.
1h42
